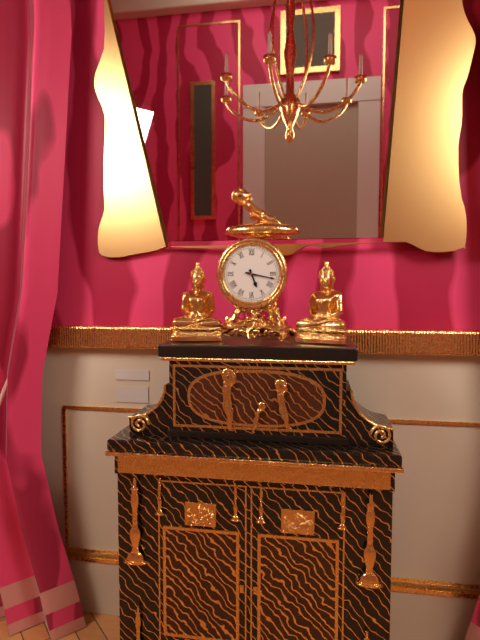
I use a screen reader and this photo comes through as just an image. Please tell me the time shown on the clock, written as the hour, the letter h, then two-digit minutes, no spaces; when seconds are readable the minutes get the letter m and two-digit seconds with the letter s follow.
5h17
